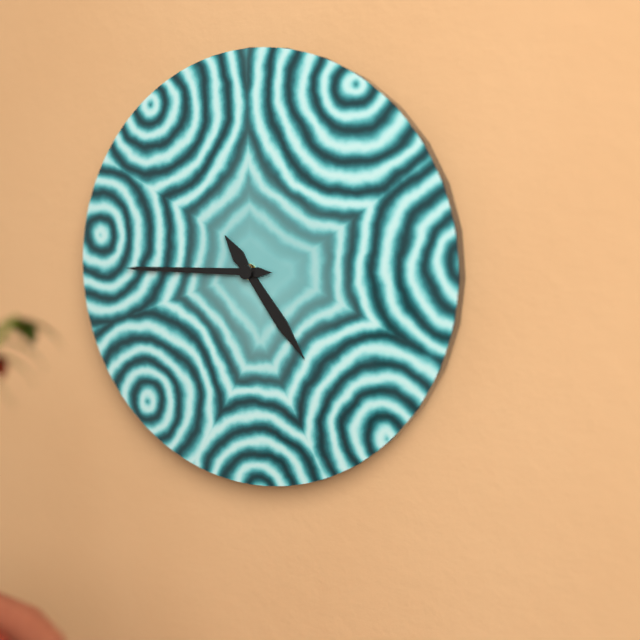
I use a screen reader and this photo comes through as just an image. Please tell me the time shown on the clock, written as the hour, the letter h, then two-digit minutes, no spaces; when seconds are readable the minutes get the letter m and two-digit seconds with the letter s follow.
4h45
